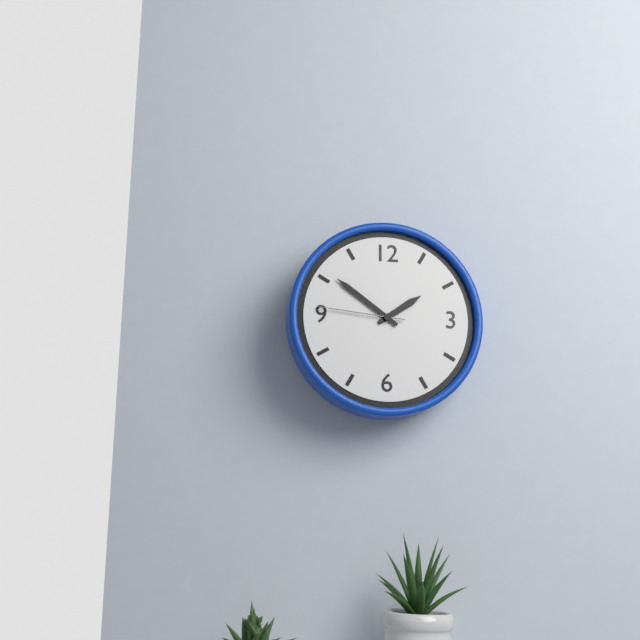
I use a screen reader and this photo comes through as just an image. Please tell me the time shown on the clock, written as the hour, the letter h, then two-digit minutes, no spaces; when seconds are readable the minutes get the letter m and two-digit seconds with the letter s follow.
1h51m46s
